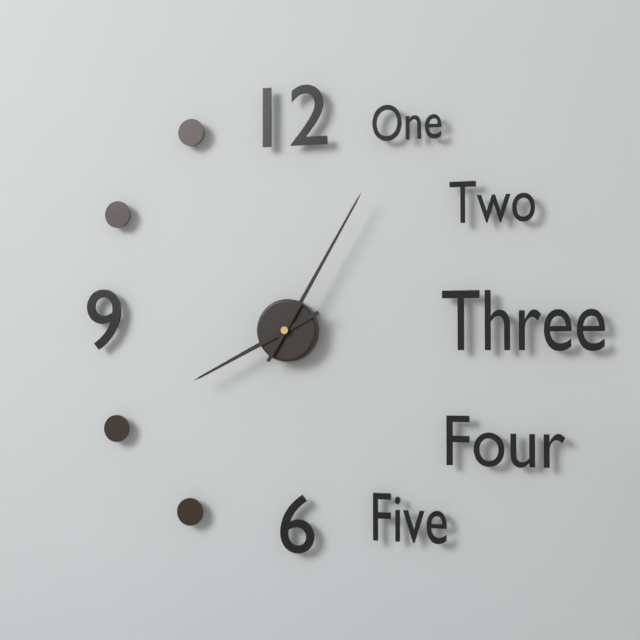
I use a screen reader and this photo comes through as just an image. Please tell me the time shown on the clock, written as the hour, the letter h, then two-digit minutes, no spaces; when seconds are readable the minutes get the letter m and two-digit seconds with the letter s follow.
8h05
